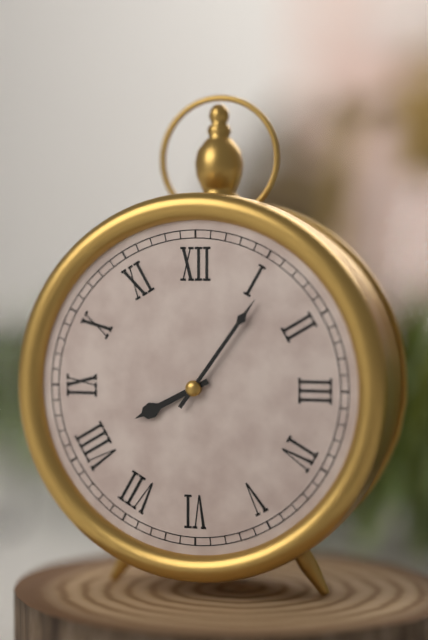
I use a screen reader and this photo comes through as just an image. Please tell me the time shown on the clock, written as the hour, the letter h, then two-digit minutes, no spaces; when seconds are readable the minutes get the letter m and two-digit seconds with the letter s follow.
8h06
